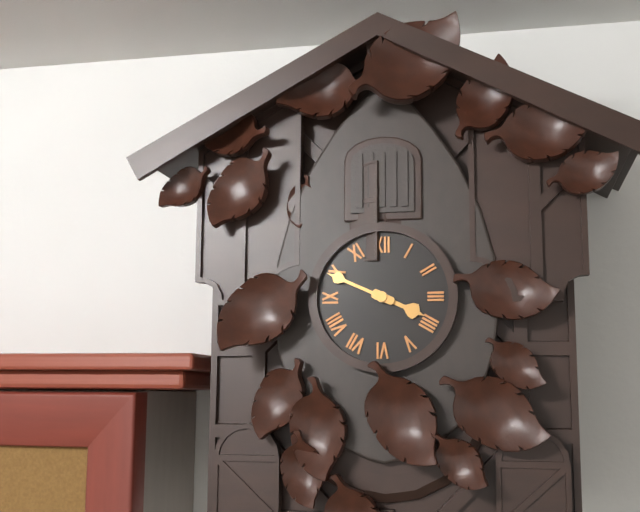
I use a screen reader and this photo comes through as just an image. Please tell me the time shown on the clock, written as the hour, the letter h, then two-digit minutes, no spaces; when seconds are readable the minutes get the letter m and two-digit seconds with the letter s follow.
3h49
